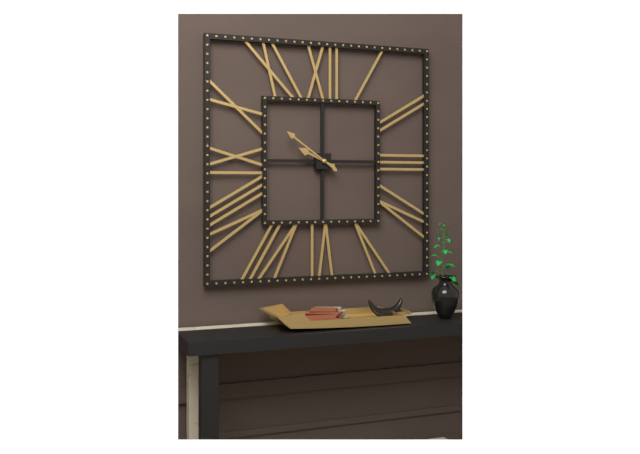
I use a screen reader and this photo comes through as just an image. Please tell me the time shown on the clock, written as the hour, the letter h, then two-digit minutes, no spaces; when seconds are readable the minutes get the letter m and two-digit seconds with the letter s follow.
9h51
